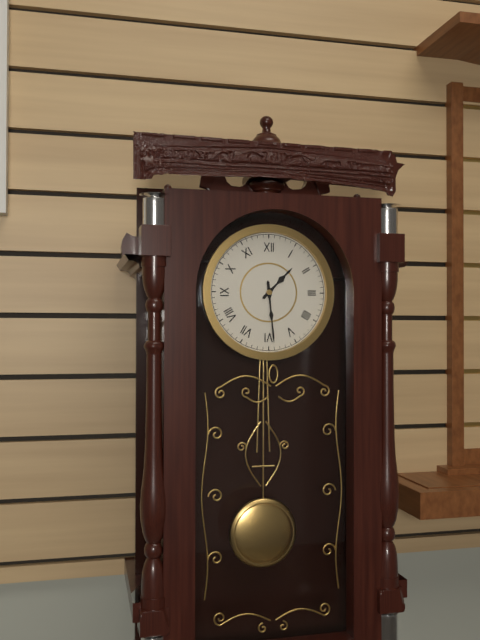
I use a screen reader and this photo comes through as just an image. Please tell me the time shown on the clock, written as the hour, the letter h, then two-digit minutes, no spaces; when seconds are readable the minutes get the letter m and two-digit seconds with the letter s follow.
1h29
